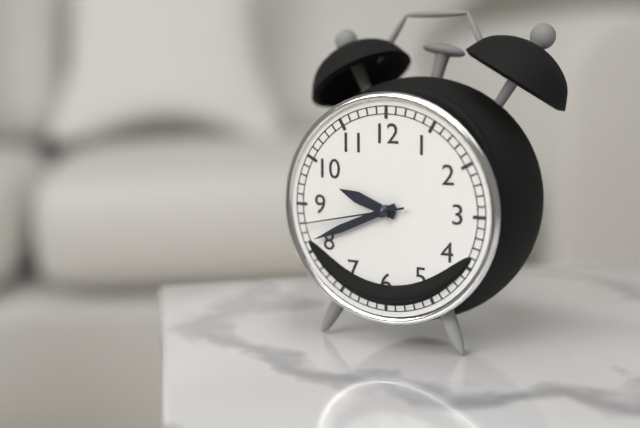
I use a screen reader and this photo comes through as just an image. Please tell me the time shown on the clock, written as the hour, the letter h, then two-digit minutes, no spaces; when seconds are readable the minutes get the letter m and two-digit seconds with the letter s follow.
9h41m43s
